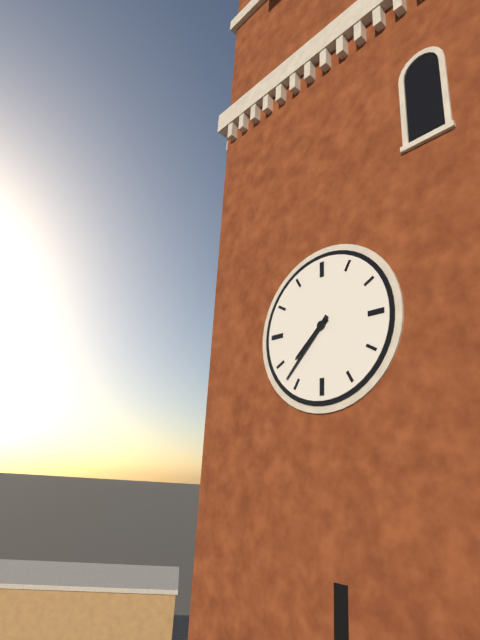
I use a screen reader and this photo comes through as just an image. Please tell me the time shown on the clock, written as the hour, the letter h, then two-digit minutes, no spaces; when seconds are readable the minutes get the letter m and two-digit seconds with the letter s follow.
7h37
